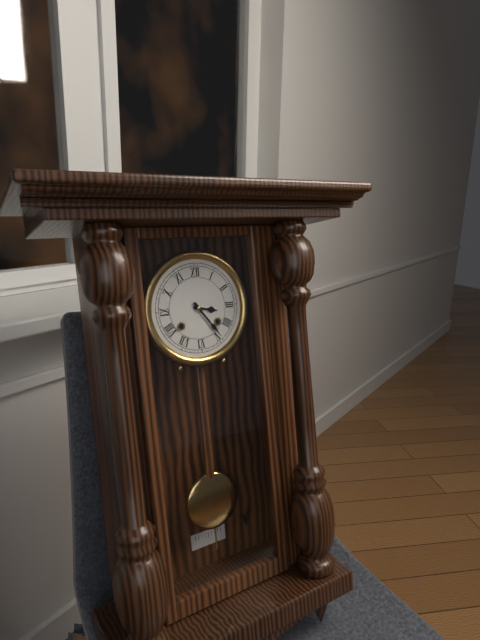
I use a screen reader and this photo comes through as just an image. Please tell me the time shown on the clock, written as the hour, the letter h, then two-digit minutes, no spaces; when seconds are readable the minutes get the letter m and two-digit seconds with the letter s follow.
3h24
